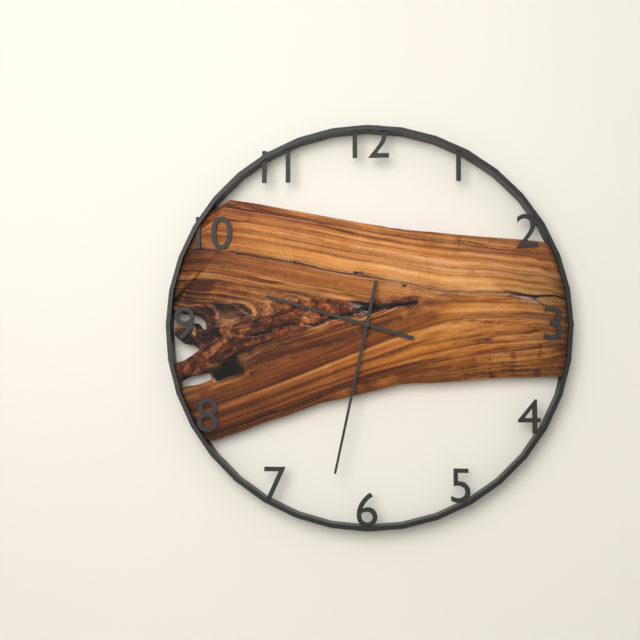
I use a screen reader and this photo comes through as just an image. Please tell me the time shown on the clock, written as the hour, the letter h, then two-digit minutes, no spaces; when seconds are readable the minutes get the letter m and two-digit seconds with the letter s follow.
9h32
